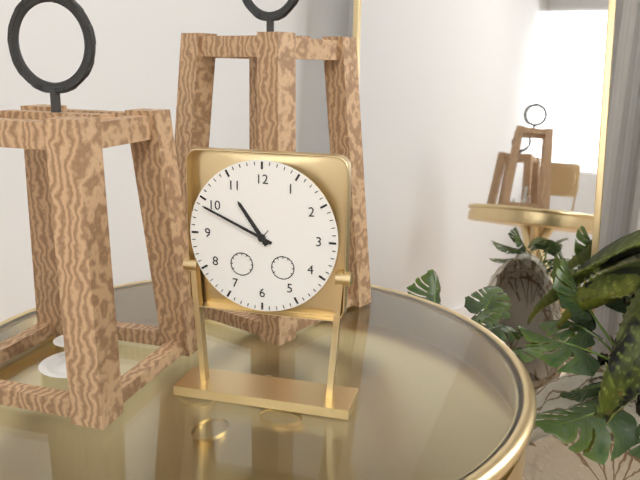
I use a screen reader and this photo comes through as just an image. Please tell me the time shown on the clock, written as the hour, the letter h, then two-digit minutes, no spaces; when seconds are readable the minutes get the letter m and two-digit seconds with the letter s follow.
10h49
